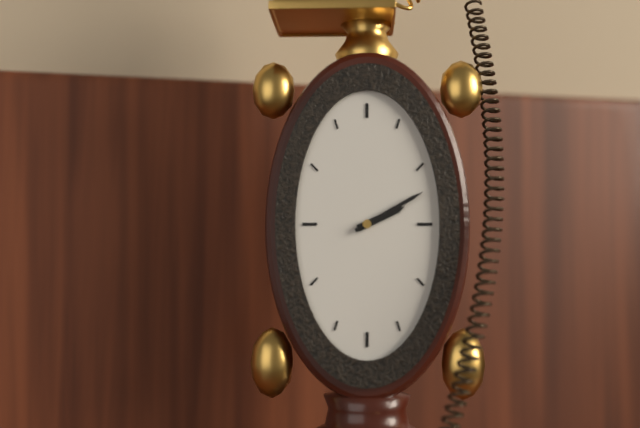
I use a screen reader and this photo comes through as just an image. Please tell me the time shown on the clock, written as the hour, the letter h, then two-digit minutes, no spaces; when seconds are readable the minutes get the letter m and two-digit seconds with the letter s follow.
2h10
